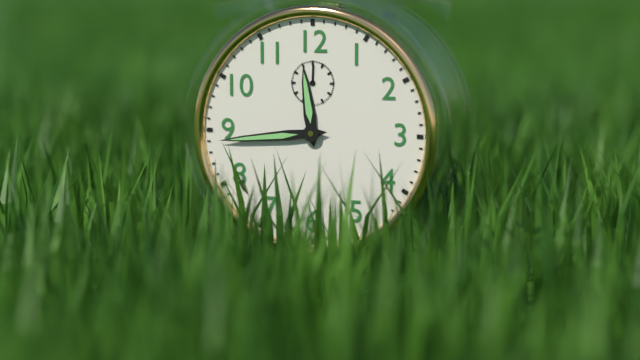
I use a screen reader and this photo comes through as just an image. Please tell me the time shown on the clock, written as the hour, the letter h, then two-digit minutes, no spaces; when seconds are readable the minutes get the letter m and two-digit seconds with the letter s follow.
11h44
